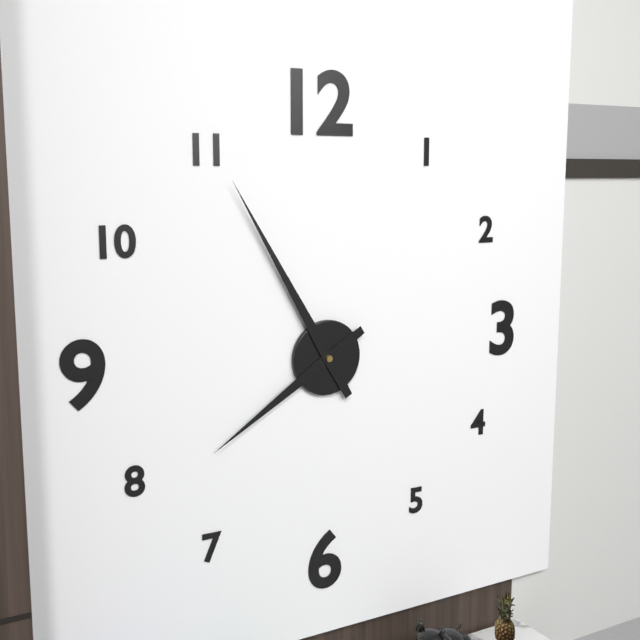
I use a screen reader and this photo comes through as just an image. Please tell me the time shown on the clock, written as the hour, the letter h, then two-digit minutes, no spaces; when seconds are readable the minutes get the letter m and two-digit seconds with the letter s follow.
7h55
